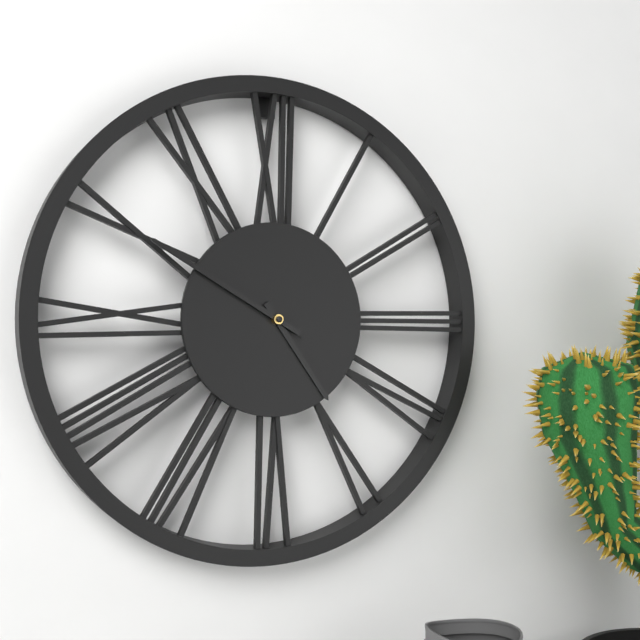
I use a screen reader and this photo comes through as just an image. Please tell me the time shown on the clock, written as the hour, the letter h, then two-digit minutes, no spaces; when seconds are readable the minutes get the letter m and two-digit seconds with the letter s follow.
4h50
